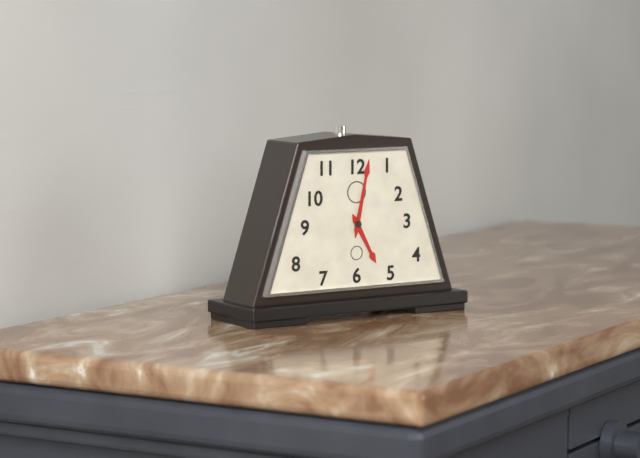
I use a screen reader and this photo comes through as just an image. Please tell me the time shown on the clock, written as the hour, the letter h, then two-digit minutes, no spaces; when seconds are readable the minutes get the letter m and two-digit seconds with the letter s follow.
5h02
